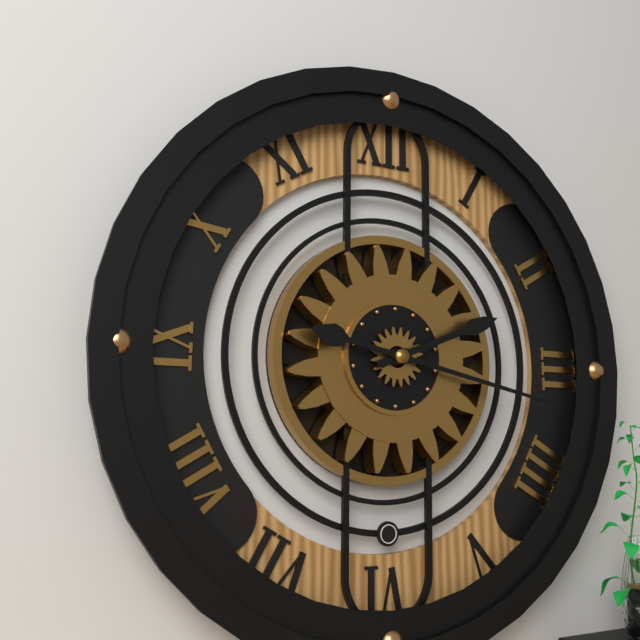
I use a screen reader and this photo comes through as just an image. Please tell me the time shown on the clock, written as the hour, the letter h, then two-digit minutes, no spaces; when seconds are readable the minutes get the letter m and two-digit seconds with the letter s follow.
2h17
